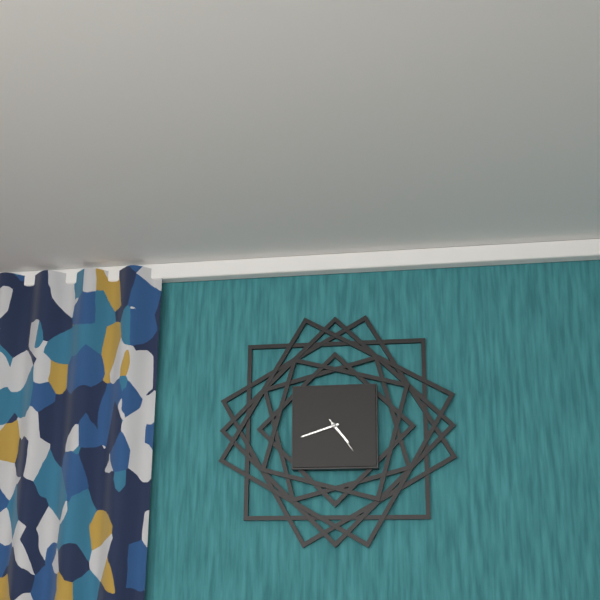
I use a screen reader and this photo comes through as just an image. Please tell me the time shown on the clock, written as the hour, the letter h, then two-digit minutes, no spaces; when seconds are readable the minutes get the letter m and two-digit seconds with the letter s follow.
4h42
